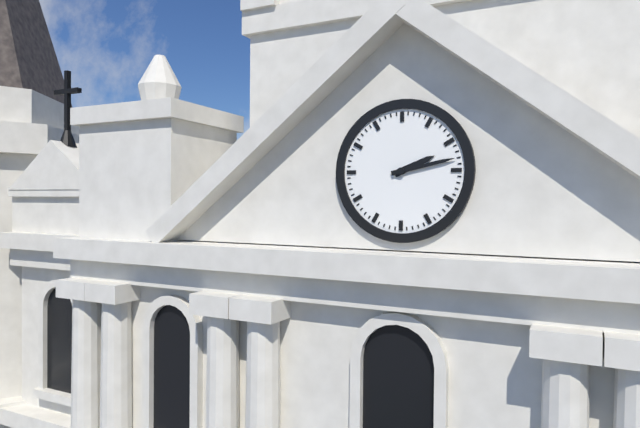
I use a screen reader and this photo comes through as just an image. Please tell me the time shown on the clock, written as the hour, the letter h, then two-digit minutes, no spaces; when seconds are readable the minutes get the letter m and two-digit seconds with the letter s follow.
2h13
